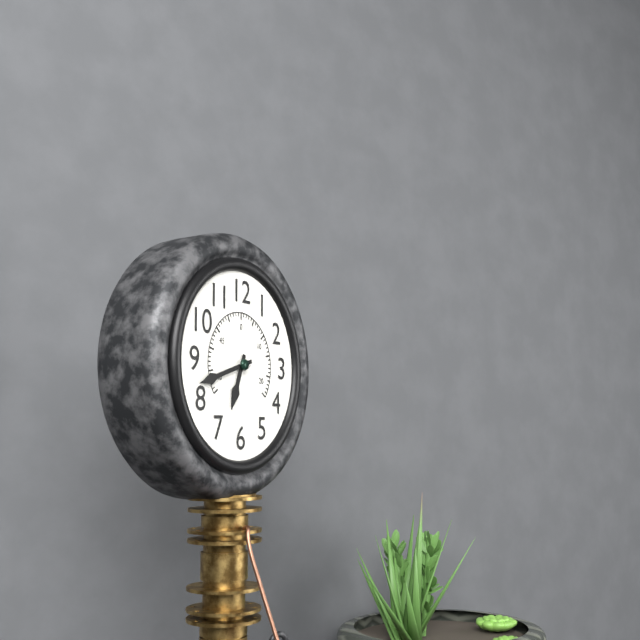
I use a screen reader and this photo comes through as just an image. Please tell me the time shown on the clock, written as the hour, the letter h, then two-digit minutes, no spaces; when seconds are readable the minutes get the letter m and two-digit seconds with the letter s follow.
6h42
